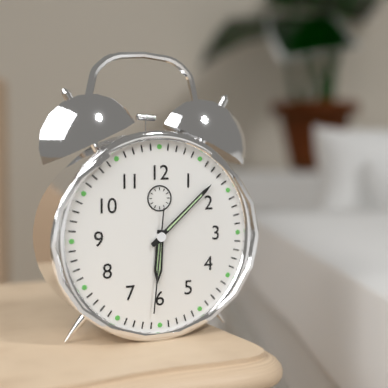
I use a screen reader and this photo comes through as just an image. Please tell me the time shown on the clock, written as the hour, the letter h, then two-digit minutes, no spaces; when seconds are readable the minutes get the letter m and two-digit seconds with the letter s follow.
6h08m31s
